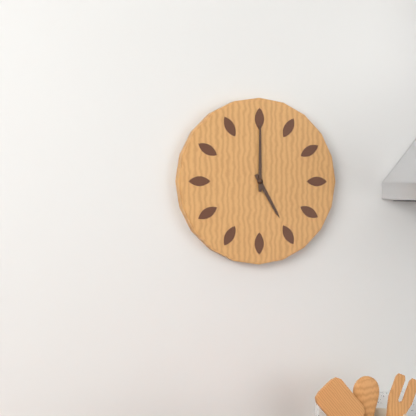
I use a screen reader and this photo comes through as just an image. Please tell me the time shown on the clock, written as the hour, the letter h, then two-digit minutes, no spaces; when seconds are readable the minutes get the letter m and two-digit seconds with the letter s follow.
5h00
